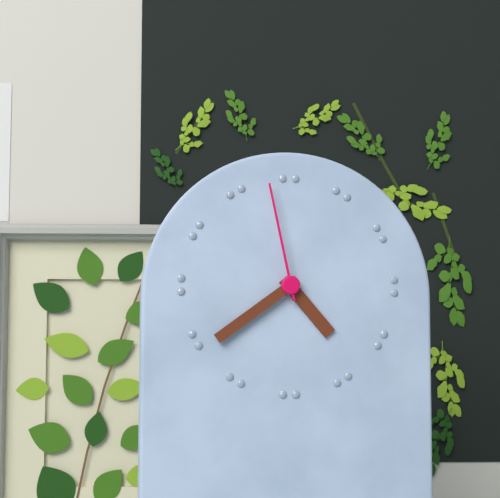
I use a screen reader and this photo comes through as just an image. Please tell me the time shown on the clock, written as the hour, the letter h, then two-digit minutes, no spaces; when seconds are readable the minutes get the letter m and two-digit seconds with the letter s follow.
4h39m58s
